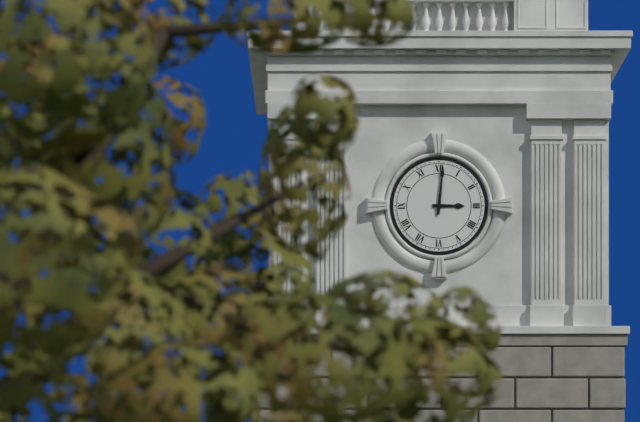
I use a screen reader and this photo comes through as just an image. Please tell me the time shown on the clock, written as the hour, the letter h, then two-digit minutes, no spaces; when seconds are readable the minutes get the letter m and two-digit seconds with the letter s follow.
3h01
